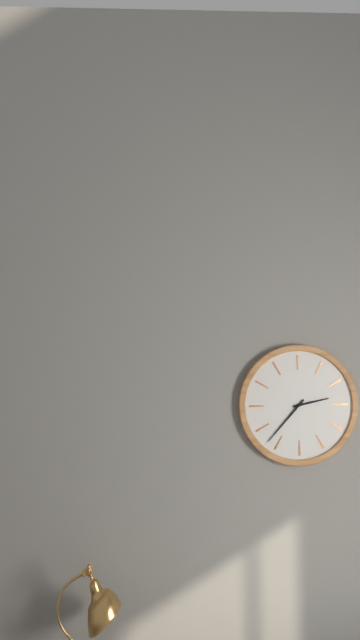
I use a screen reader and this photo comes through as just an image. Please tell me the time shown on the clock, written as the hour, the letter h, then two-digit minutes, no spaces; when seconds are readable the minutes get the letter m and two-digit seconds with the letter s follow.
2h37
